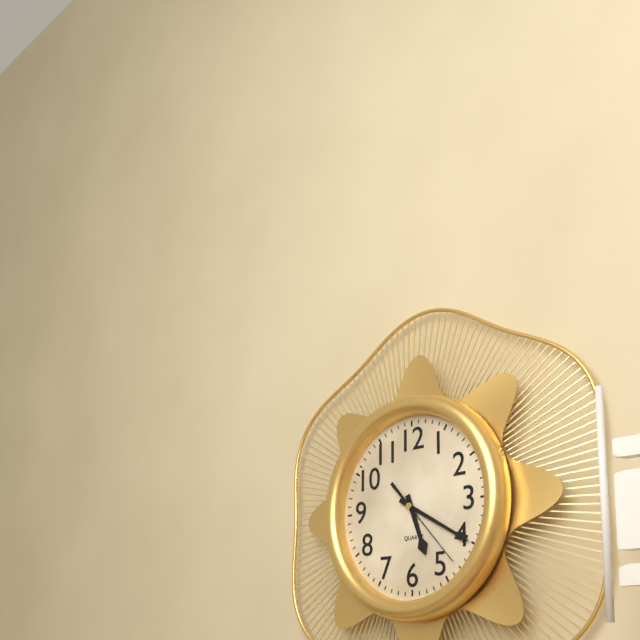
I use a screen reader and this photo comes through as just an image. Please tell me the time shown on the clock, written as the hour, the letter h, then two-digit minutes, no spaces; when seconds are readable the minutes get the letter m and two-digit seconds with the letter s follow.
5h20m23s
